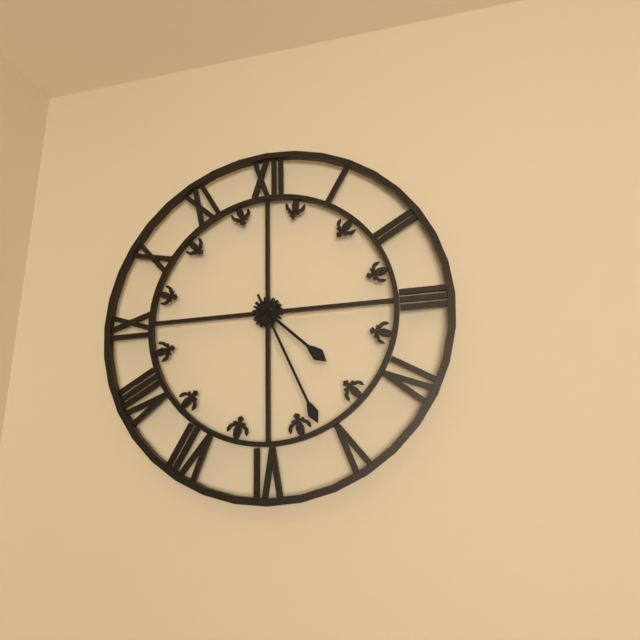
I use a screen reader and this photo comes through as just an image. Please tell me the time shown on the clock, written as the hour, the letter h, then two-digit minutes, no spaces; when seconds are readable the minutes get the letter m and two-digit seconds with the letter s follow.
4h26
